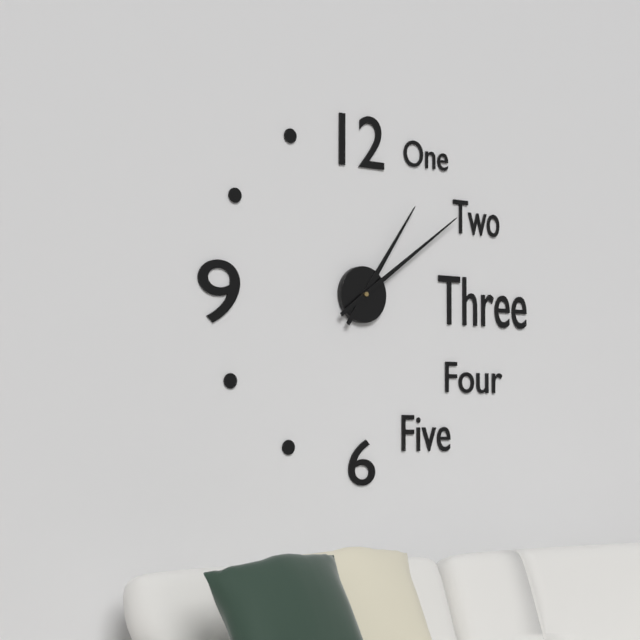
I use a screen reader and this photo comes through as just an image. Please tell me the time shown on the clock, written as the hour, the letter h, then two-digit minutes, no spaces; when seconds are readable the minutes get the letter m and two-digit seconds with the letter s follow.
1h09
